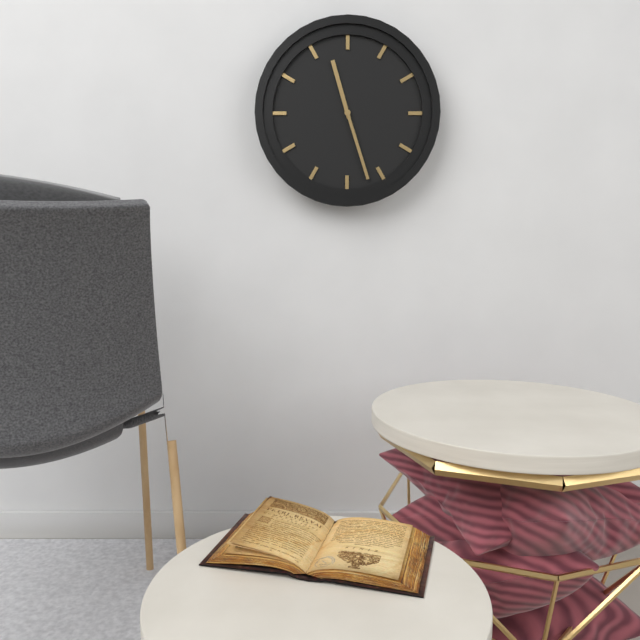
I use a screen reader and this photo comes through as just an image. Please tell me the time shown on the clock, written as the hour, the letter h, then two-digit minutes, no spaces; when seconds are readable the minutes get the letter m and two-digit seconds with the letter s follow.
11h27
